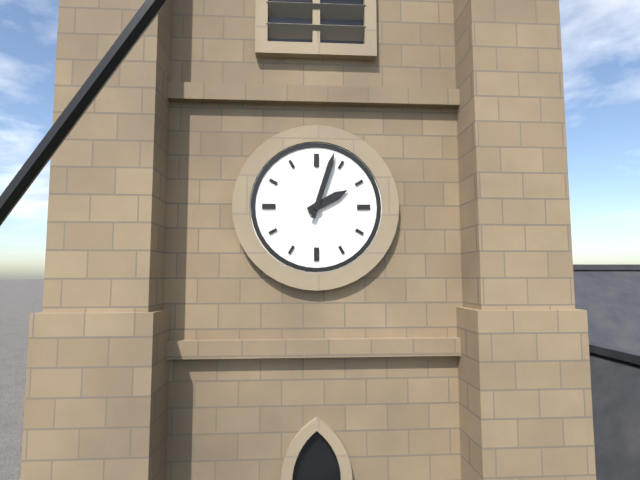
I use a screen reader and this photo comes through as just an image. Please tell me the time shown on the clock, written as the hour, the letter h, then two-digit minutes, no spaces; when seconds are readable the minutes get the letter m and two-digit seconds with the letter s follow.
2h03
